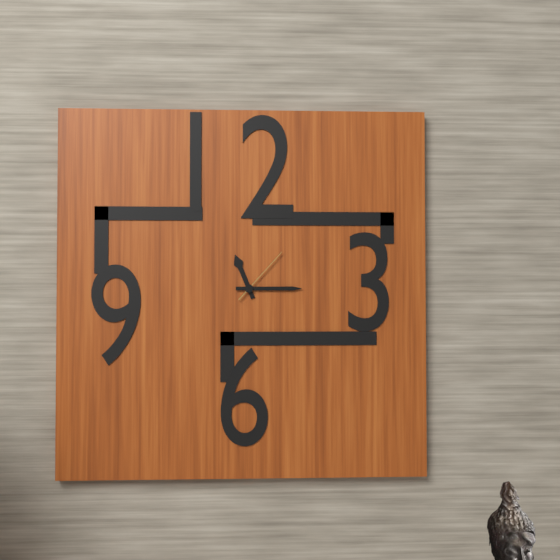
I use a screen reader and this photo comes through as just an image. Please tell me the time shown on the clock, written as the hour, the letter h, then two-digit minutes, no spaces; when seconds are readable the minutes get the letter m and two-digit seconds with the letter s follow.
11h15m07s
